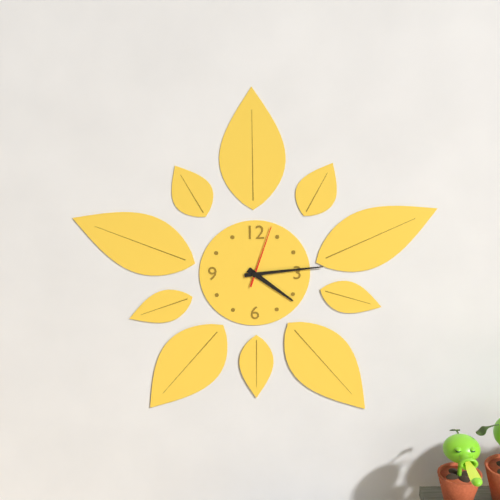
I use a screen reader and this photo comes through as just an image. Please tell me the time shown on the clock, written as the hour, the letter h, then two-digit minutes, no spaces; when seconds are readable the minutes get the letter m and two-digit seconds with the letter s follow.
4h14m03s
